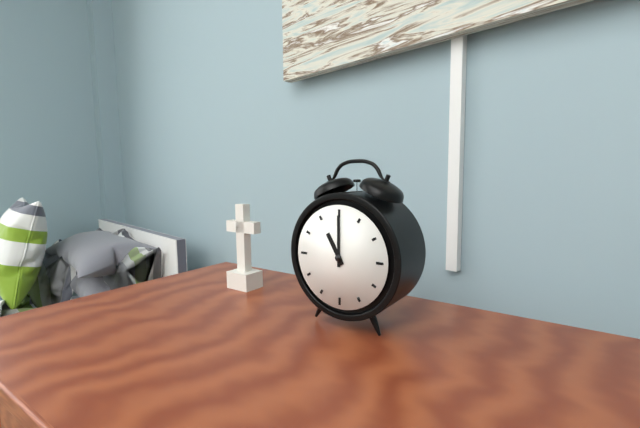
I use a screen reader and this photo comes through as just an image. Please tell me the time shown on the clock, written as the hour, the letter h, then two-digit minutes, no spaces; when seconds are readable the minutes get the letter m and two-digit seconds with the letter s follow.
11h00
